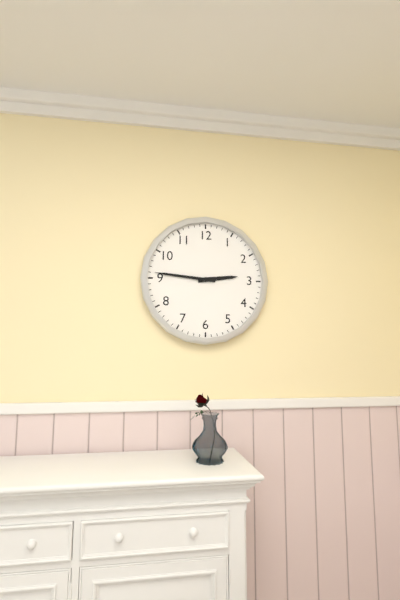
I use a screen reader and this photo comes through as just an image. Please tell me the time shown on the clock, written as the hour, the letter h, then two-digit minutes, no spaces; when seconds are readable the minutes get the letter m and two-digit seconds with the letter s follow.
2h46
